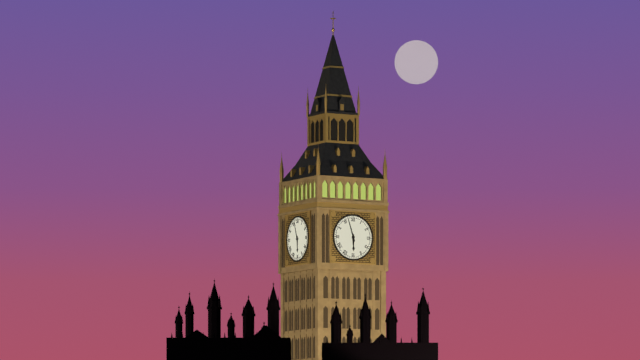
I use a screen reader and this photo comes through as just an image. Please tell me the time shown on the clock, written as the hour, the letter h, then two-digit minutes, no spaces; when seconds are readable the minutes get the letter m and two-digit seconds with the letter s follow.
5h57
